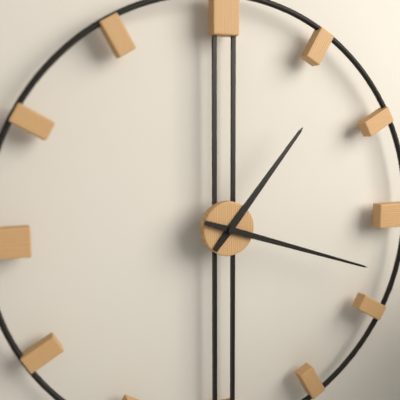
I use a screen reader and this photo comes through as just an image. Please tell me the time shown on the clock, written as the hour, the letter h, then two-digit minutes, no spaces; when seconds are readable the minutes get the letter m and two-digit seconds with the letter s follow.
1h18
